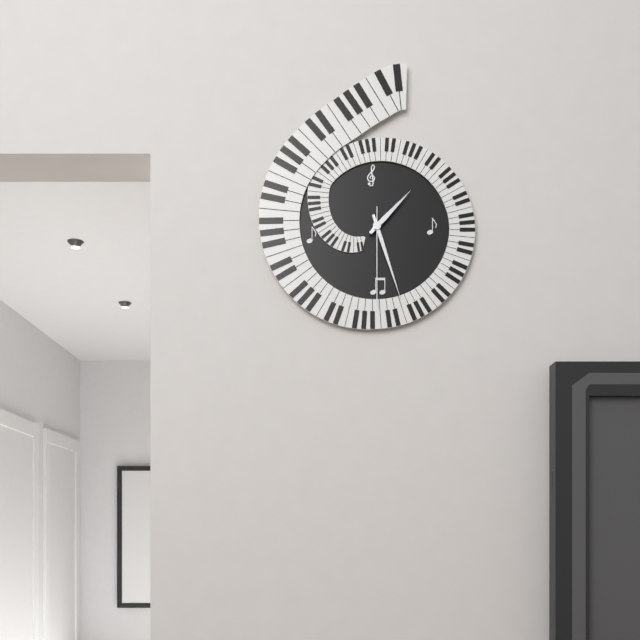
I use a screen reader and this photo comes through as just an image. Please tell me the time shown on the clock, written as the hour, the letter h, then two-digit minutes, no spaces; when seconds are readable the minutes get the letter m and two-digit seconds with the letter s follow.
1h27m30s
